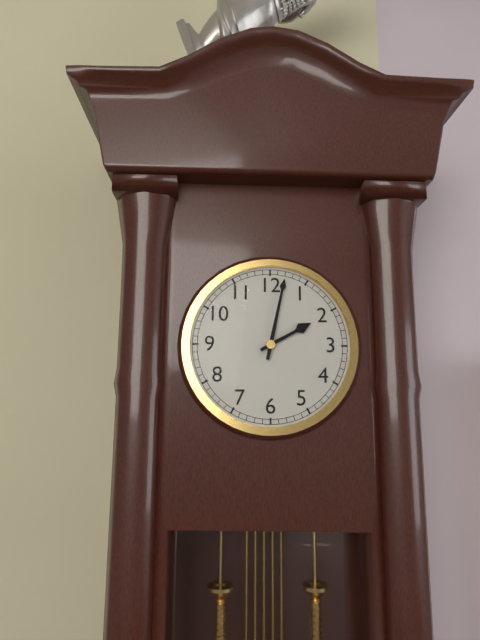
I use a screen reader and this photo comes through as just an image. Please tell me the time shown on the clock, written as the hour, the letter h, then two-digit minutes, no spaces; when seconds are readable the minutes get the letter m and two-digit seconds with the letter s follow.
2h02
